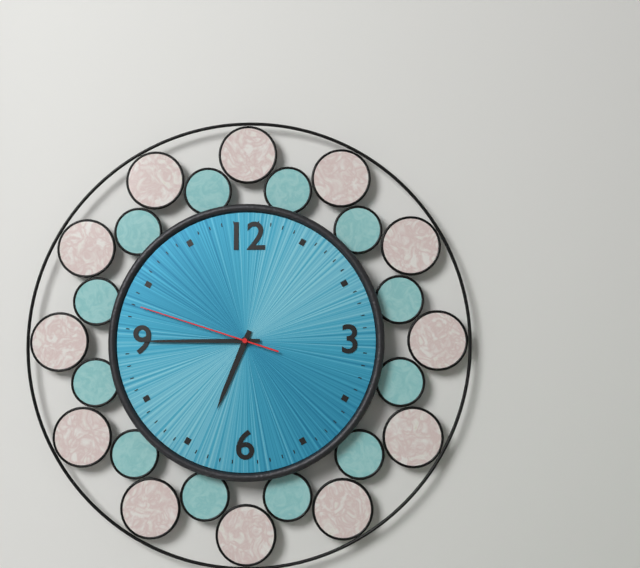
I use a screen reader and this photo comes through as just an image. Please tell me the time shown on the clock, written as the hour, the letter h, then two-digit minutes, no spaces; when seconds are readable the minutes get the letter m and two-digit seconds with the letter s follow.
6h45m48s
